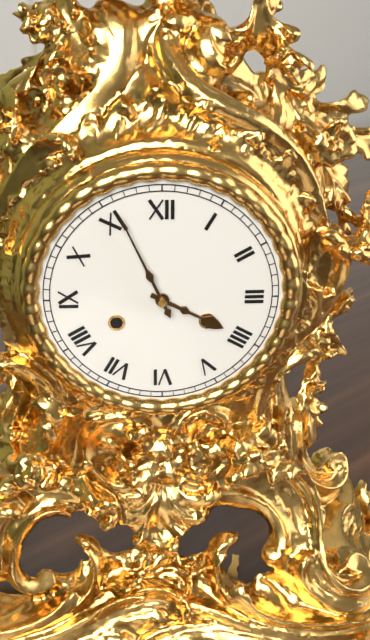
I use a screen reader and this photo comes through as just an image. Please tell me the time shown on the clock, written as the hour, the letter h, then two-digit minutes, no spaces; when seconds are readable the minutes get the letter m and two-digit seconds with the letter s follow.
3h56
